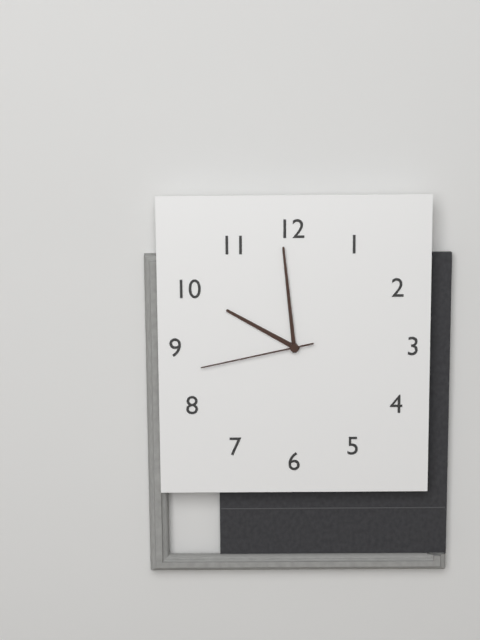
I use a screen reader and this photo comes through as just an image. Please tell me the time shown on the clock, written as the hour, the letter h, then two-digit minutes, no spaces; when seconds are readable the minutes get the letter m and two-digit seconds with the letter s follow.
9h59m43s
